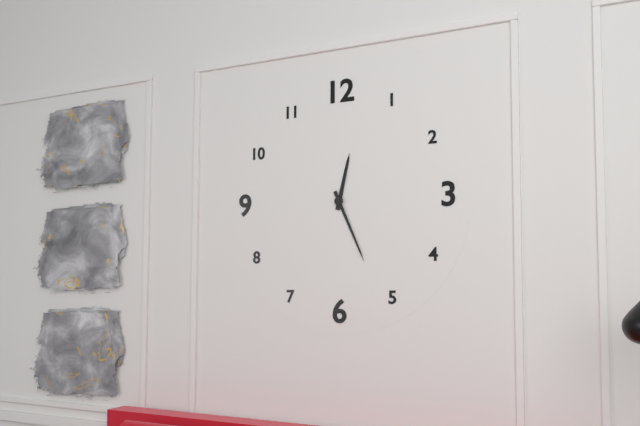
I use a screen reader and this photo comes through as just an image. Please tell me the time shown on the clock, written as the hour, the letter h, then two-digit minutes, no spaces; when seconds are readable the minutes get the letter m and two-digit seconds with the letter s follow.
12h26
